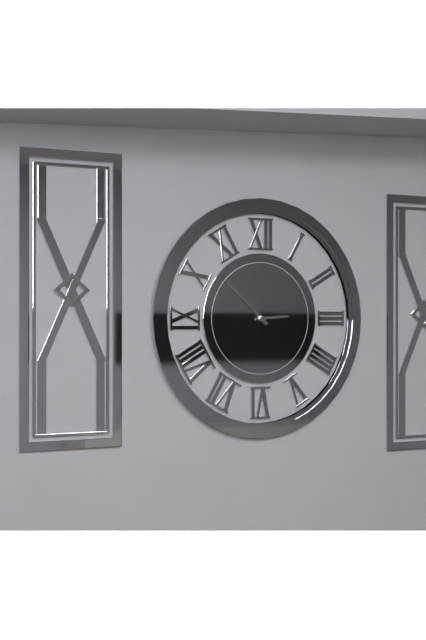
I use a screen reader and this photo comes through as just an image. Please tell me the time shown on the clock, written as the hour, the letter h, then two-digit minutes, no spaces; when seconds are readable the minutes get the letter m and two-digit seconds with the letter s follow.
2h52
